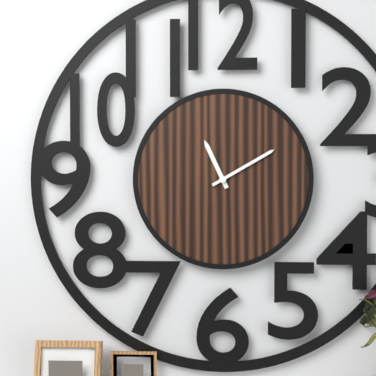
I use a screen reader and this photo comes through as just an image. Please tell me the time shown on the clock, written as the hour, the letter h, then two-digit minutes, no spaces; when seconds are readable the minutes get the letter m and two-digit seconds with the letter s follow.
11h10
